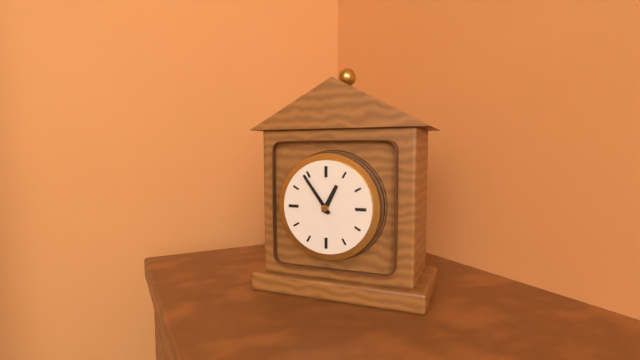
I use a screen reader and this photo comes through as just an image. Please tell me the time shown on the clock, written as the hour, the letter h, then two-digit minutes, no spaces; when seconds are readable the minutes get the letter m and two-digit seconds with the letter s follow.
12h54
